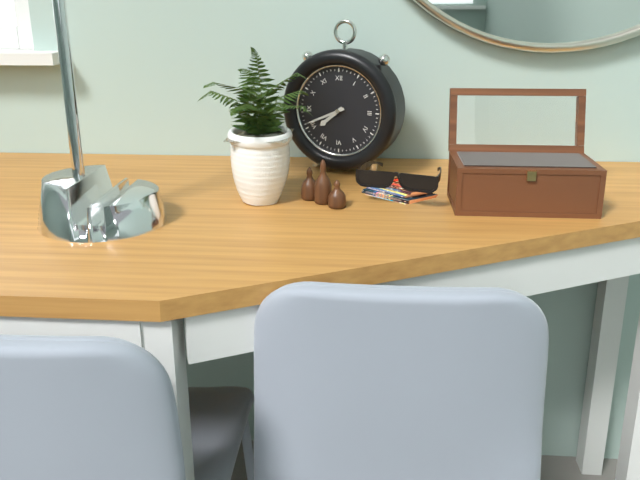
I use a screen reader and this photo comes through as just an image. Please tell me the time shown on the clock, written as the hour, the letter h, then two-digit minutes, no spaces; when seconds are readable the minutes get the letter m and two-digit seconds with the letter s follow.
7h41
